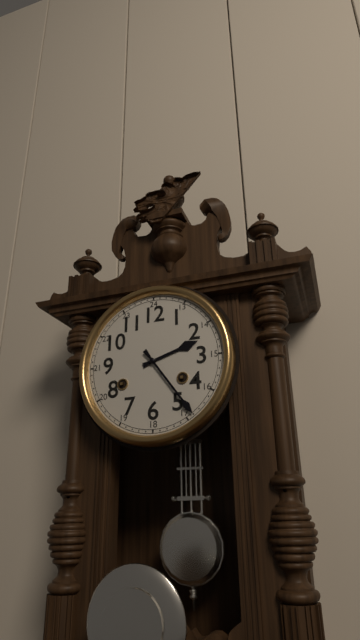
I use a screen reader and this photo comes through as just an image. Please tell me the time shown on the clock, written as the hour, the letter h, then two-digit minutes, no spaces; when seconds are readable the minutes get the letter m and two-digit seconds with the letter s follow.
2h24
